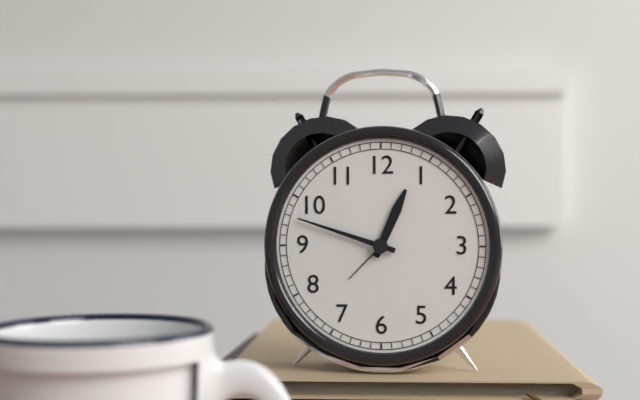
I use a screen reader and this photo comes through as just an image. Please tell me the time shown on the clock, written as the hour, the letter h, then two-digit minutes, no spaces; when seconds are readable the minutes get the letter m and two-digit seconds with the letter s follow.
12h48
